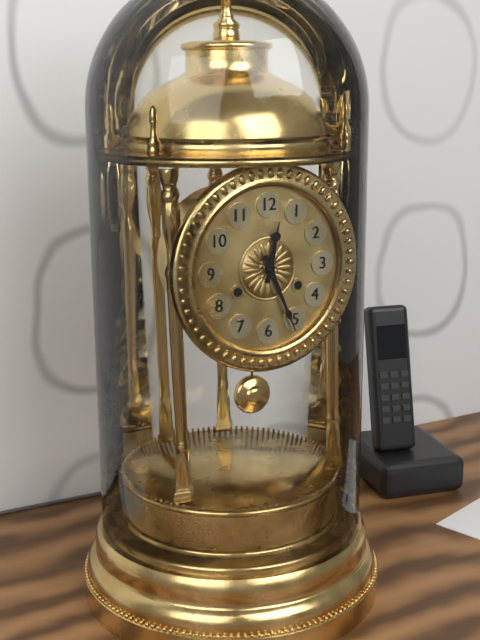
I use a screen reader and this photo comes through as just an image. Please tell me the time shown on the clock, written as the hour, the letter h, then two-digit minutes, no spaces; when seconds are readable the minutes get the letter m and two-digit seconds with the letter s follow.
12h26
